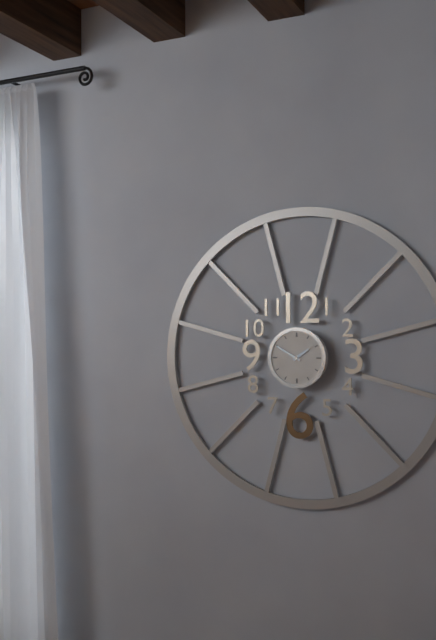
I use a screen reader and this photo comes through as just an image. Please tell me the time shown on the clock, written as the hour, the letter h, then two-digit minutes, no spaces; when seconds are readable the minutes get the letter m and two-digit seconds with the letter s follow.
1h50
